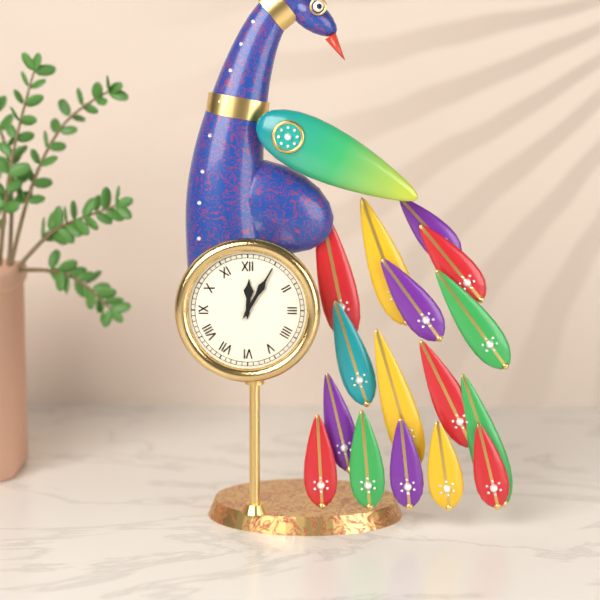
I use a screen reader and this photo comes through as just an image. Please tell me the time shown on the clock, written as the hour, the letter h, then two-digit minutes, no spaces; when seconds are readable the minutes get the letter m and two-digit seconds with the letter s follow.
12h05
